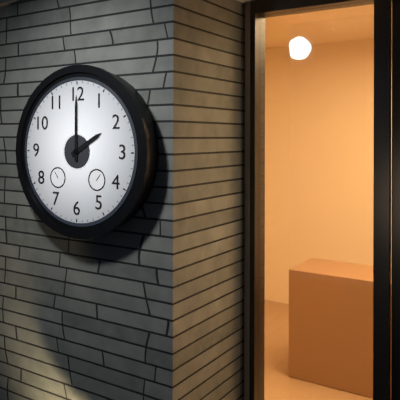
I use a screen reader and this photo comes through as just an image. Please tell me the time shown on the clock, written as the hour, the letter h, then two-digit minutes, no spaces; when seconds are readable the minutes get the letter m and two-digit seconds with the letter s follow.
2h00
